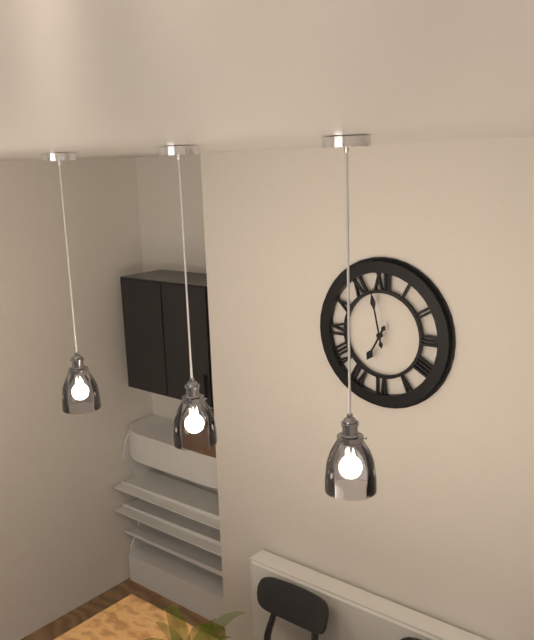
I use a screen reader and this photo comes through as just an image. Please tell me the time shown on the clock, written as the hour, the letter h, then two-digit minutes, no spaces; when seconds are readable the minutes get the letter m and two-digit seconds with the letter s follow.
6h58
